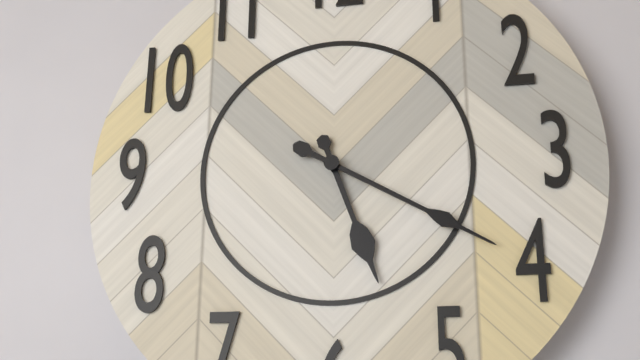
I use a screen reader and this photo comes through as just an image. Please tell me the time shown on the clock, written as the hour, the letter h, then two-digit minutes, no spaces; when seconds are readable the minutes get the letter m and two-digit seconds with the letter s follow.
5h20
